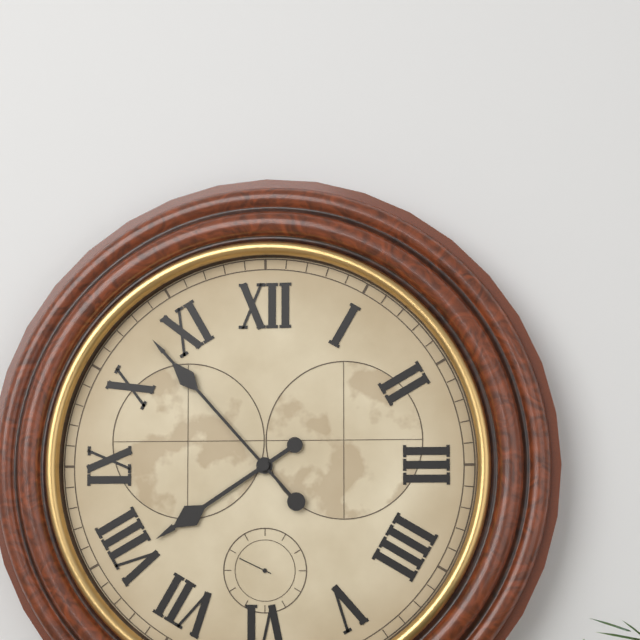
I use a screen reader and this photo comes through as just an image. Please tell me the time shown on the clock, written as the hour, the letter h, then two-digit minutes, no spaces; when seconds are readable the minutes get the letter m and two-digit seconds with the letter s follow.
7h53
